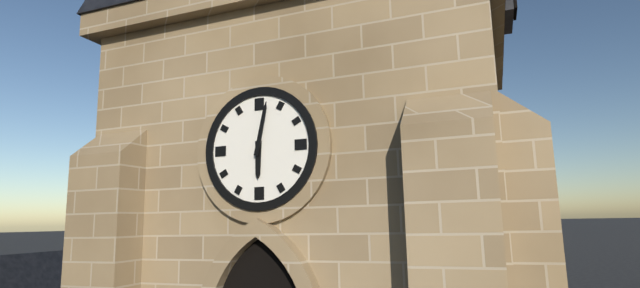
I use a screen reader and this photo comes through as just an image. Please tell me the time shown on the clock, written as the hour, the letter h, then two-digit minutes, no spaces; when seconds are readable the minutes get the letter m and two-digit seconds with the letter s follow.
6h02
